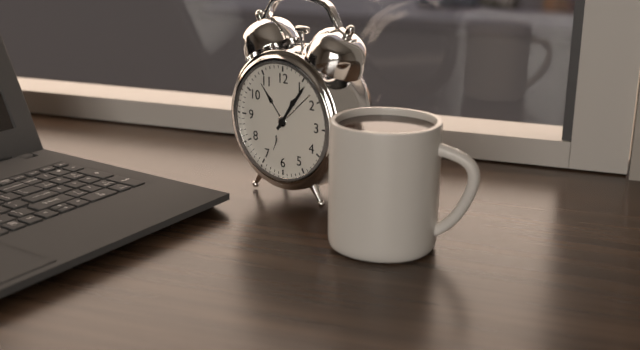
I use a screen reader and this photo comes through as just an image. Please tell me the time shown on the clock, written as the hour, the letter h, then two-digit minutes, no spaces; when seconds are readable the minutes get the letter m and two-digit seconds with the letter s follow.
1h06
